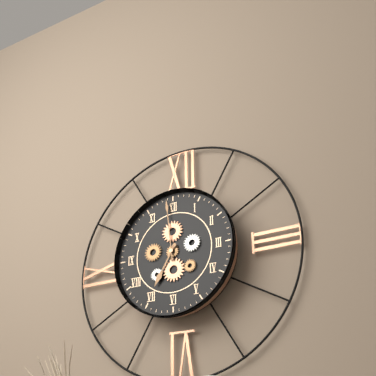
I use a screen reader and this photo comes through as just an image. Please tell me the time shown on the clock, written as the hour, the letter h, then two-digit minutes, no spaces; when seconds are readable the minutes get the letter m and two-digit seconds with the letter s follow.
6h59
